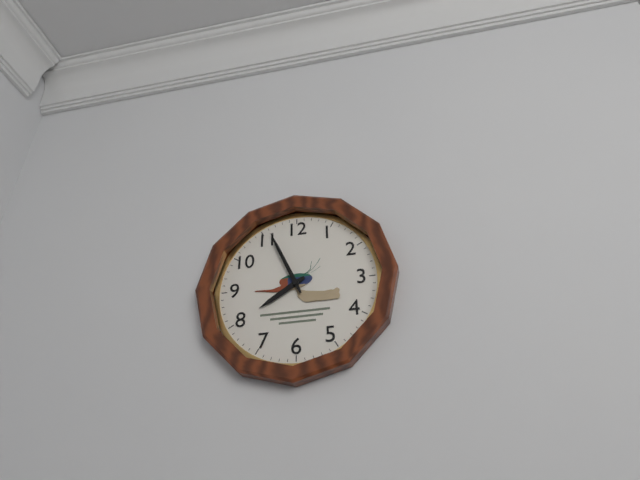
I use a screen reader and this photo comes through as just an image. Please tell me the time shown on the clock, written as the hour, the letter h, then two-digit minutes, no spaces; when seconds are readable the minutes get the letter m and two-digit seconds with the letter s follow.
7h56
